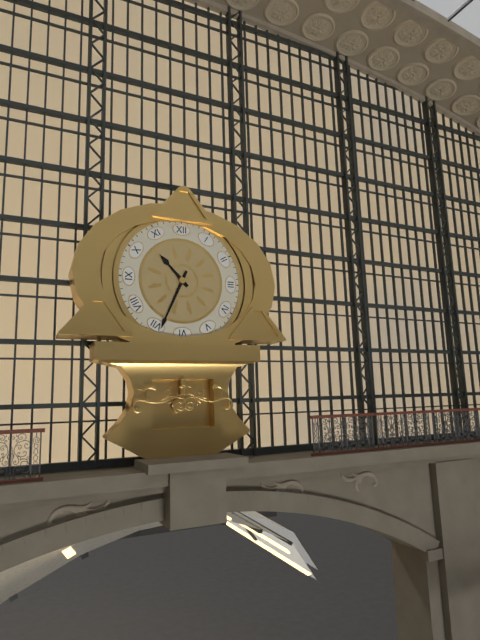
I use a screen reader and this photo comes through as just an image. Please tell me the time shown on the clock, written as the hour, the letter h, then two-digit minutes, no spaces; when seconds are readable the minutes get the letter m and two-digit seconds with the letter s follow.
10h34
